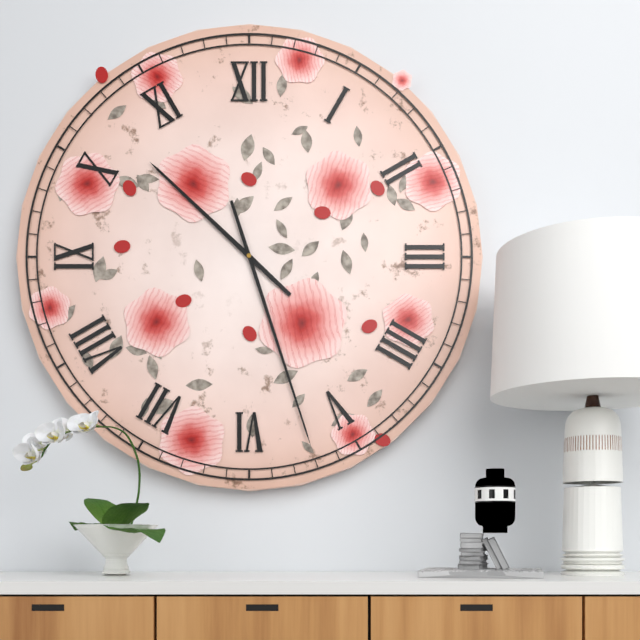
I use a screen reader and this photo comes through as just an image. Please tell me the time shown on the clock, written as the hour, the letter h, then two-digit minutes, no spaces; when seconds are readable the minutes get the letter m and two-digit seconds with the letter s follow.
10h27
